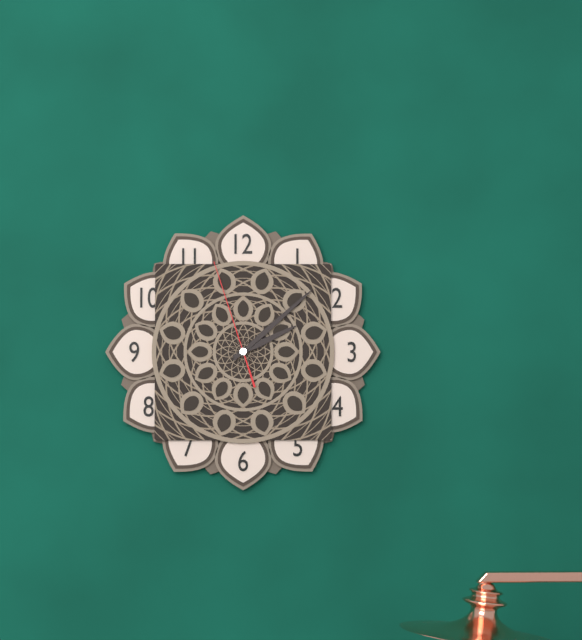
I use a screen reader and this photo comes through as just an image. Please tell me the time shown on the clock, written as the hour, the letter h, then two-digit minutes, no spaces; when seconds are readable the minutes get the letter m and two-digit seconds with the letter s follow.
2h08m57s
